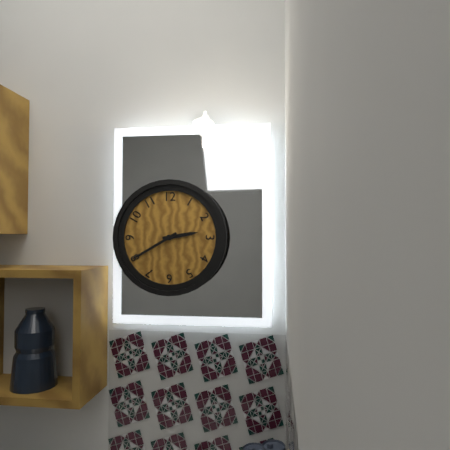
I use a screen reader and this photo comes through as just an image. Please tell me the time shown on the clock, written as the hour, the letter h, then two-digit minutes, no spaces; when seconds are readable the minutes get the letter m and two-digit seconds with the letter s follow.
2h40
